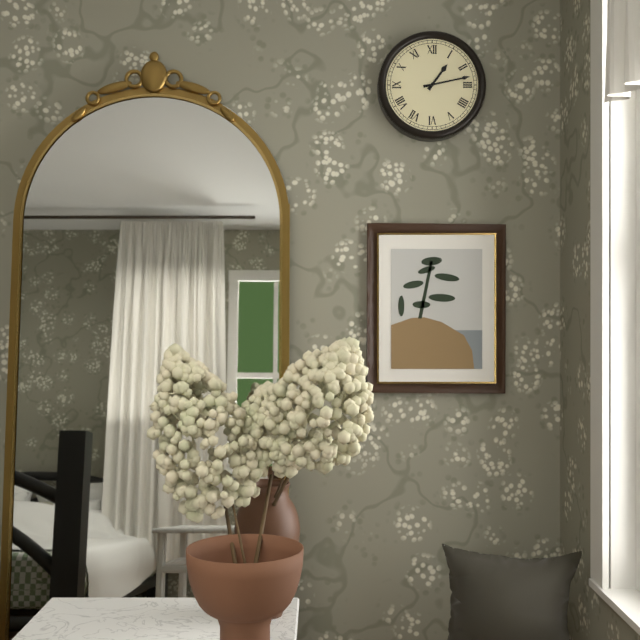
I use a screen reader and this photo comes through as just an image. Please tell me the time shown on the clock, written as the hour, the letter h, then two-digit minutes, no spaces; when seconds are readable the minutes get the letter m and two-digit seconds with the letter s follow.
1h13
